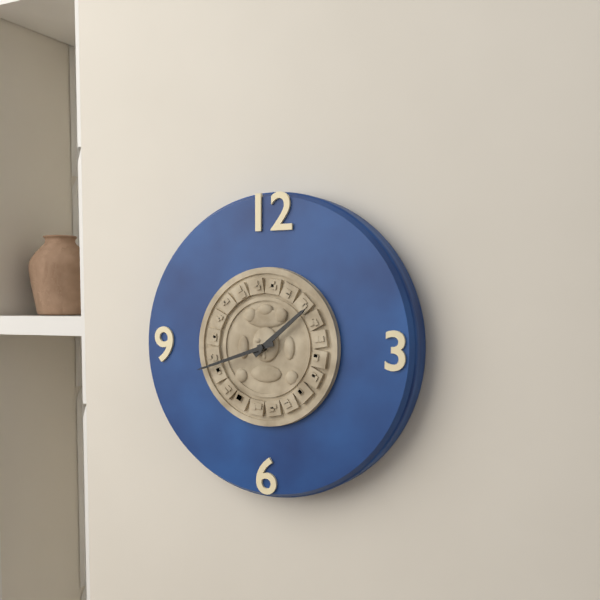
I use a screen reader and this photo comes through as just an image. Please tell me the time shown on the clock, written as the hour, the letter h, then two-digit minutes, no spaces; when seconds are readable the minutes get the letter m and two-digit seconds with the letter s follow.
1h42
